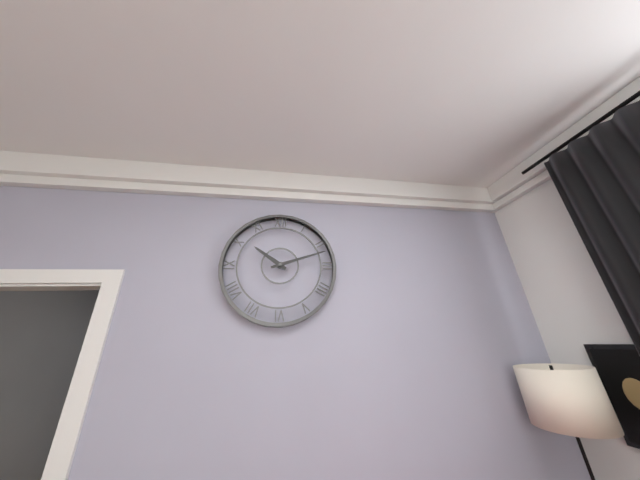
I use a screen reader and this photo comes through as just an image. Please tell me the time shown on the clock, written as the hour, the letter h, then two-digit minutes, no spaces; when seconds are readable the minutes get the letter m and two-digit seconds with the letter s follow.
10h12
